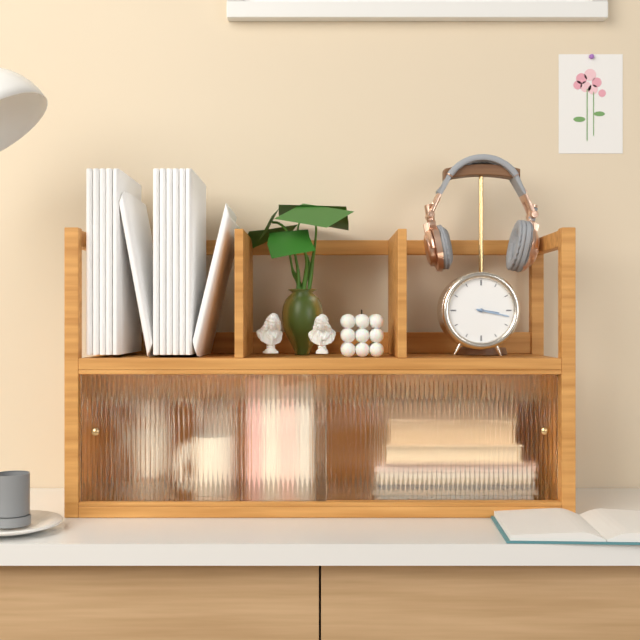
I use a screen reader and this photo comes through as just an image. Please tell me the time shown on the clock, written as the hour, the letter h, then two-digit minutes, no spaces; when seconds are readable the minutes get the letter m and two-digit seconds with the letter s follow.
3h17
